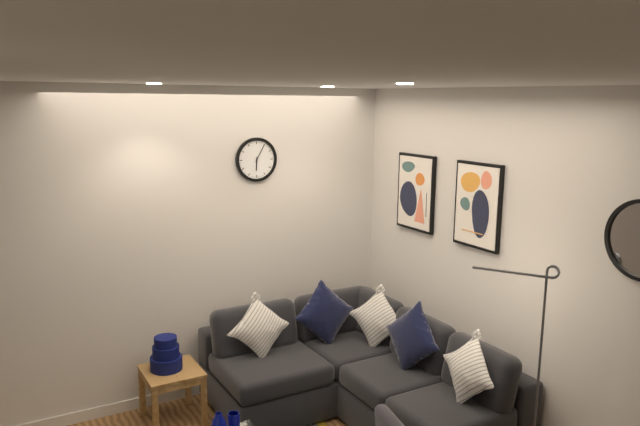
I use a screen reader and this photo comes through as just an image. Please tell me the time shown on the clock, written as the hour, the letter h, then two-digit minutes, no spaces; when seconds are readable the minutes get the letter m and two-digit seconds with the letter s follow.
6h05
